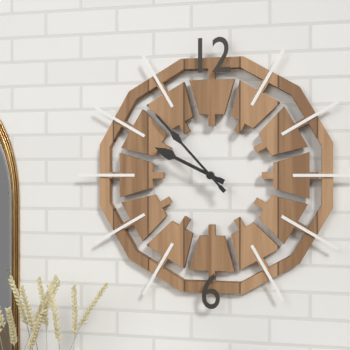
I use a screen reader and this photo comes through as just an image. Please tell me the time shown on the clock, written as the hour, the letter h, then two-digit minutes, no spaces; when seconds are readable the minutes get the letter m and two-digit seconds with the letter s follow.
9h53
